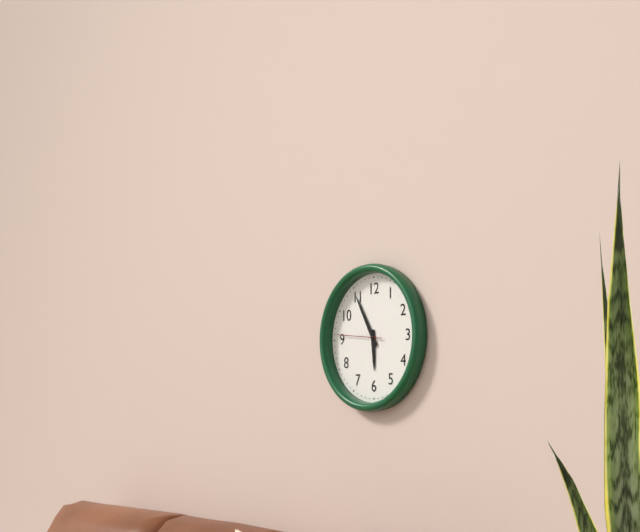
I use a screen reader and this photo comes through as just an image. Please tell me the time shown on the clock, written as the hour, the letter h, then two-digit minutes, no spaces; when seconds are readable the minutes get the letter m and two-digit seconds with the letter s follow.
5h55
